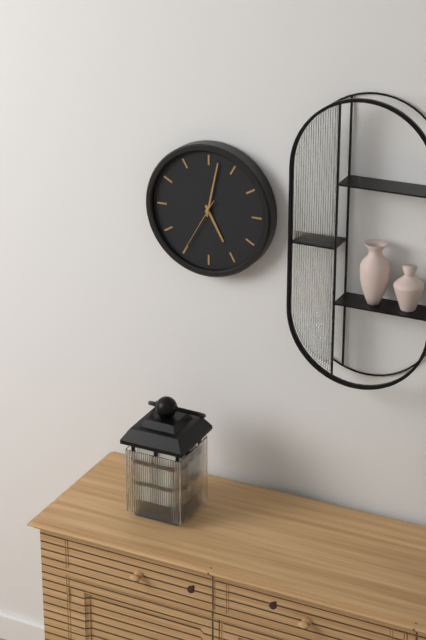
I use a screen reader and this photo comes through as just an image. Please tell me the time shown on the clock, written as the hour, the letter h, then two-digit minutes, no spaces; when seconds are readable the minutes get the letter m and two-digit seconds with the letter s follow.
5h02m35s
